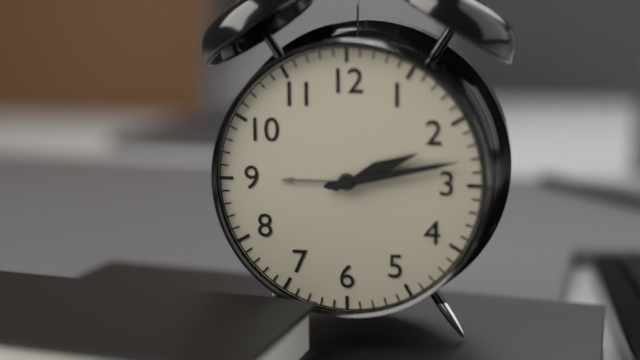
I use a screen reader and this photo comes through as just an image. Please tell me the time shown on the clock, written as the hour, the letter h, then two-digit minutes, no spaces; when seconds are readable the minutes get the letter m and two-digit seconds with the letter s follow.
2h13
